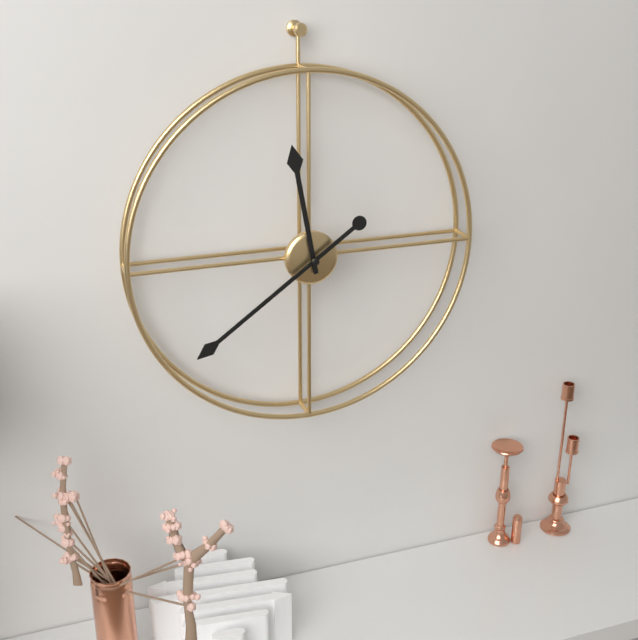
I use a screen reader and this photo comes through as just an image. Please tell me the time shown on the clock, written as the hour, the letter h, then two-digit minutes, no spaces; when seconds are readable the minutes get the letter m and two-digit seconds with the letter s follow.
11h39
